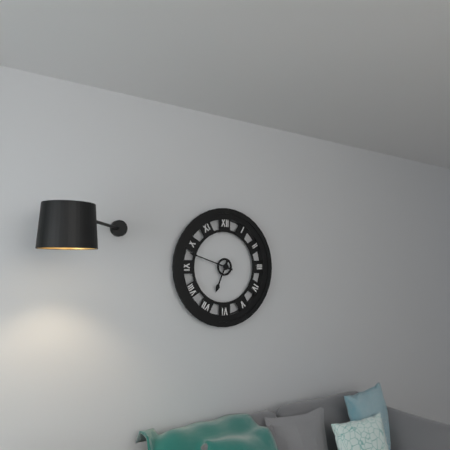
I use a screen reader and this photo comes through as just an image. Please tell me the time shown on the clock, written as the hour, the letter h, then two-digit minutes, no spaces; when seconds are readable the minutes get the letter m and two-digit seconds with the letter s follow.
6h48
